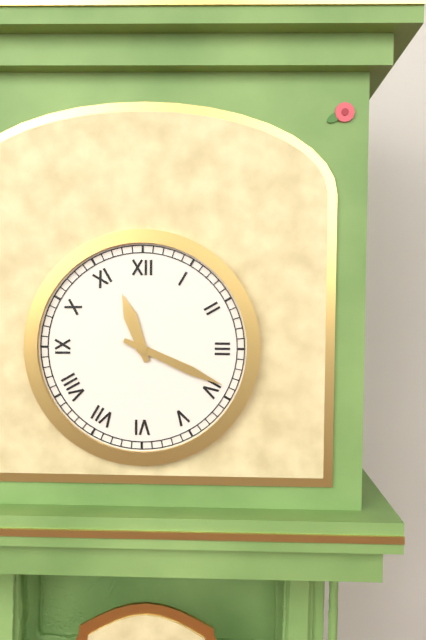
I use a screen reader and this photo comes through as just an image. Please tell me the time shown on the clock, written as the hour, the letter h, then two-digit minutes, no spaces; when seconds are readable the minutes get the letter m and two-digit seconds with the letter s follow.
11h19
